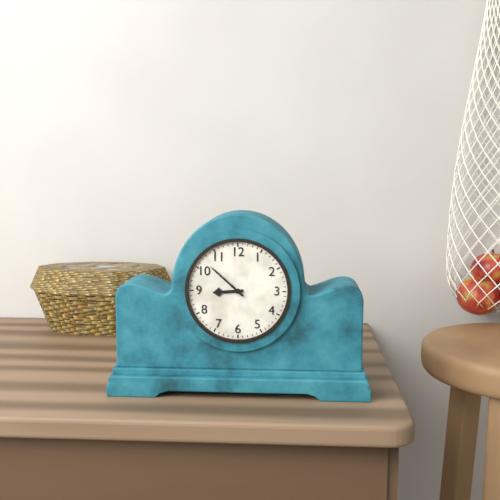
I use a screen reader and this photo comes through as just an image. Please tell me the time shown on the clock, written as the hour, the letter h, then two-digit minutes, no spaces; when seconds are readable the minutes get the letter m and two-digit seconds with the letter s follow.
8h52
